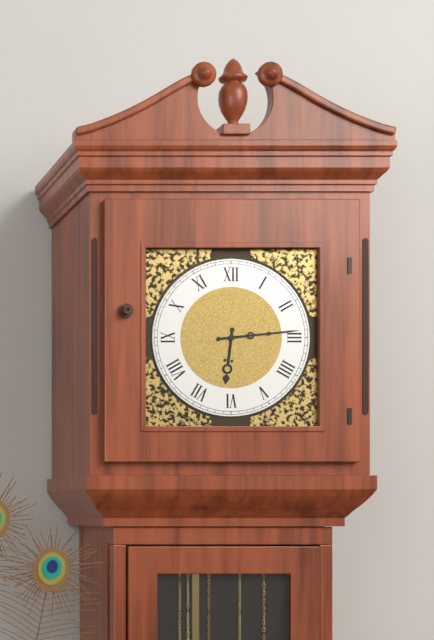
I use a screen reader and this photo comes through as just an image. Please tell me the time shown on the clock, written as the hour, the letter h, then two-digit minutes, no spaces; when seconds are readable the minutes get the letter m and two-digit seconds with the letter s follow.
6h14
